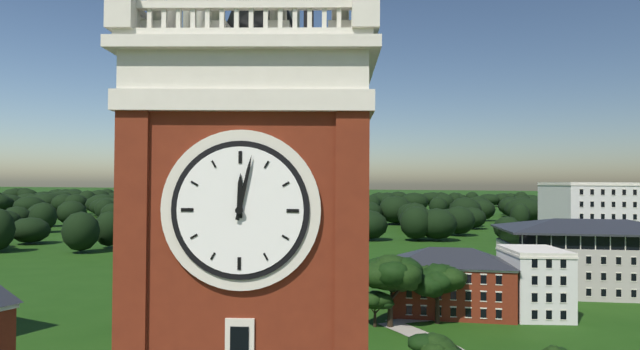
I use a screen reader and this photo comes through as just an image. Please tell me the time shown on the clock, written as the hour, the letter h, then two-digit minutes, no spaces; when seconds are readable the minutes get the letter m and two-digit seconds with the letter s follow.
12h02
